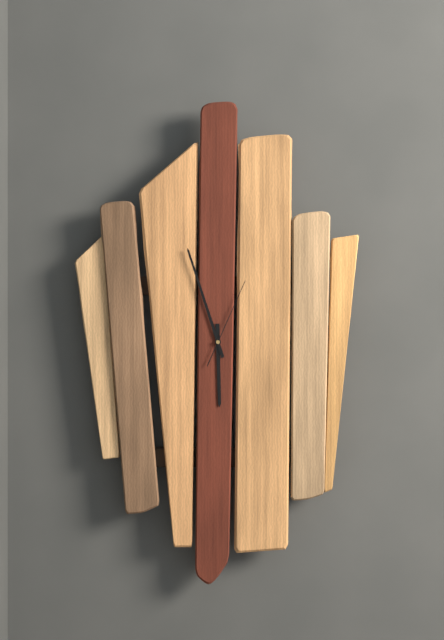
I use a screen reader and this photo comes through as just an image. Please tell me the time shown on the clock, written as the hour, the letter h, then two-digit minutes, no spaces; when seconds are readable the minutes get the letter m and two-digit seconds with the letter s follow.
5h57m04s
